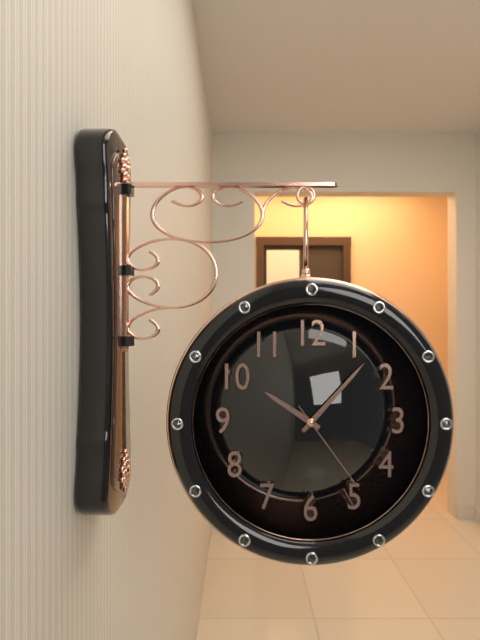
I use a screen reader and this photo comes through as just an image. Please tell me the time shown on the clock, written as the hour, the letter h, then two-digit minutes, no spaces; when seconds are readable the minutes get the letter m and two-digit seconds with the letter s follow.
10h07m24s
